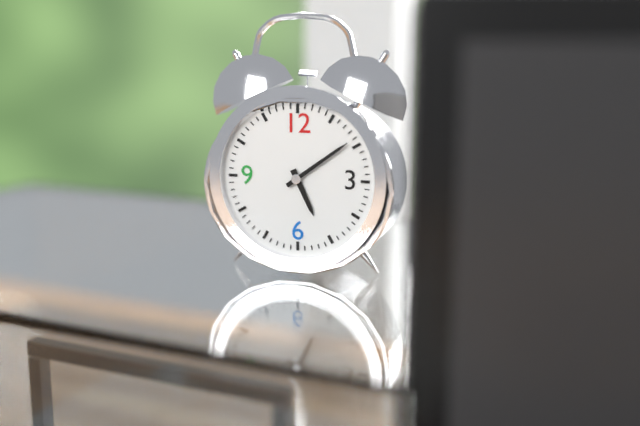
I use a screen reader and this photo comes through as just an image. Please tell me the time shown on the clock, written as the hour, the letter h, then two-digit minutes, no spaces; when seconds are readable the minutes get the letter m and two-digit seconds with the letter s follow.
5h09
